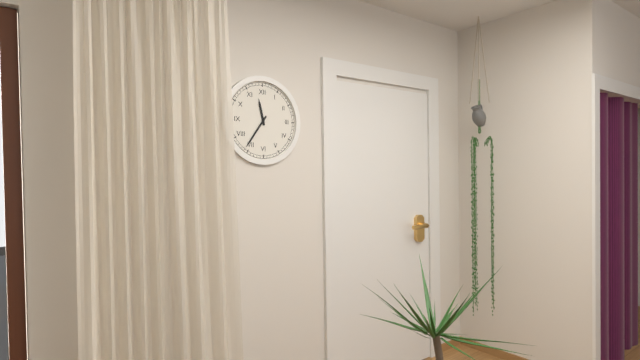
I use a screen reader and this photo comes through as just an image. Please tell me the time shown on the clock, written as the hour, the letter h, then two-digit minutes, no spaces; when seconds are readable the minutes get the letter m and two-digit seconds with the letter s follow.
11h36
